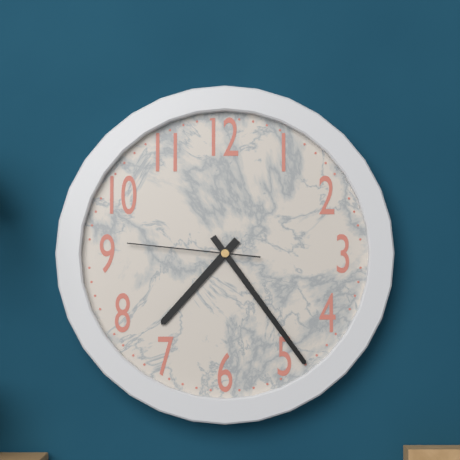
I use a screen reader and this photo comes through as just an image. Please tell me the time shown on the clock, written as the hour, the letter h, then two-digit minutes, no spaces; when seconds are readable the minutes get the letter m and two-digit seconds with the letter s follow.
7h24m46s
